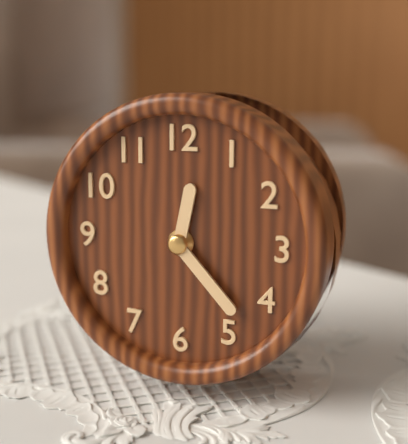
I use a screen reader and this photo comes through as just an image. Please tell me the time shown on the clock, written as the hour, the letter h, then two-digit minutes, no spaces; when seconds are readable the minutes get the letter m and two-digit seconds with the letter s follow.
12h23
